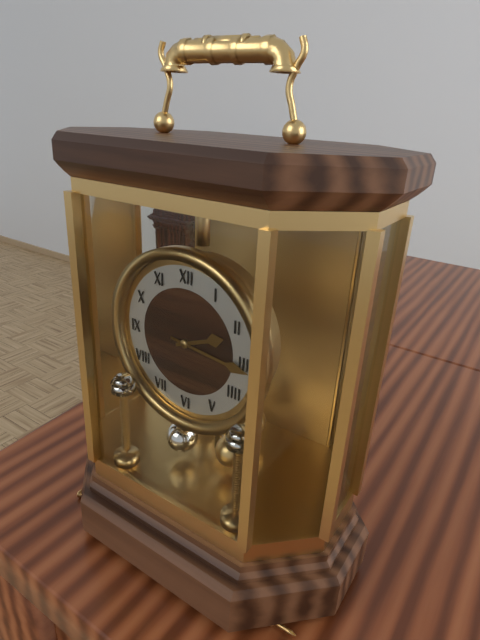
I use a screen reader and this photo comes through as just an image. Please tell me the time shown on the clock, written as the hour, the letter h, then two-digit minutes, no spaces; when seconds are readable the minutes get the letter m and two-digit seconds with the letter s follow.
2h16
